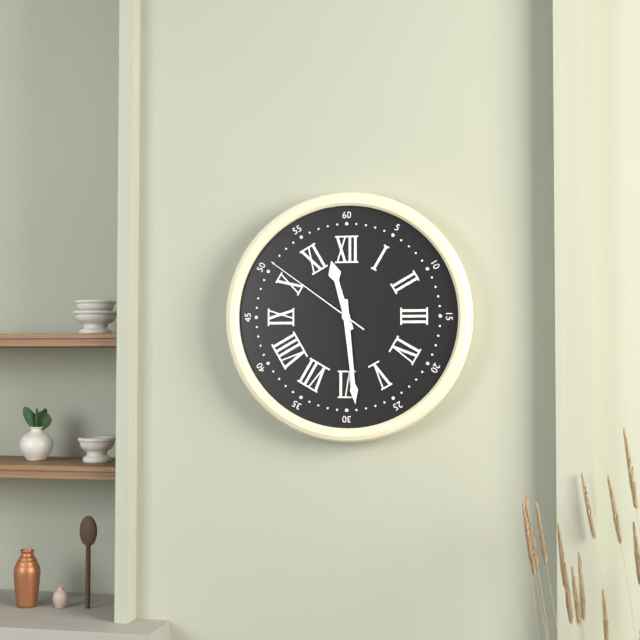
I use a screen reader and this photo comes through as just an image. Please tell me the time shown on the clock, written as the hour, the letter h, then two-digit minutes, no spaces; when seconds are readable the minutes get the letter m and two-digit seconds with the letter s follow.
11h29m51s
